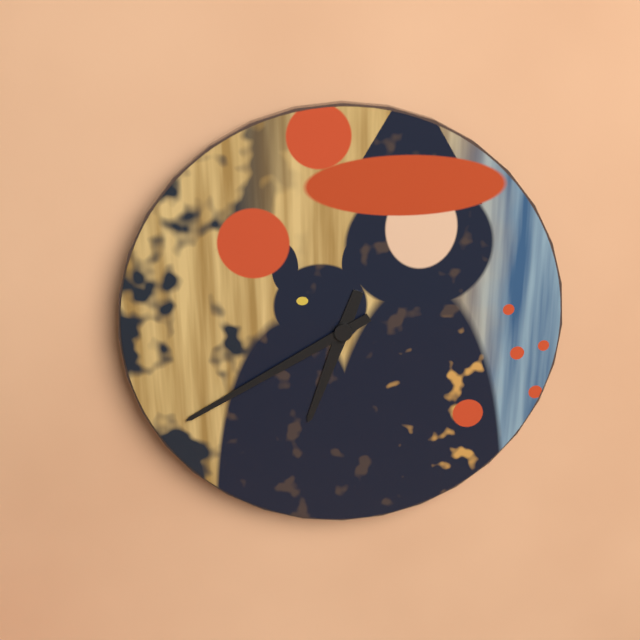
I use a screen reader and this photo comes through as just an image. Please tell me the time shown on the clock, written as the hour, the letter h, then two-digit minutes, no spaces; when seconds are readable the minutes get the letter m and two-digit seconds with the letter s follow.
6h40
